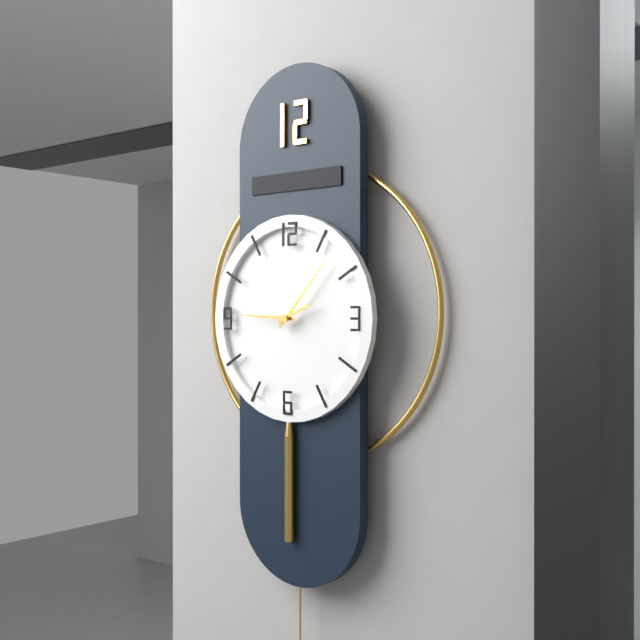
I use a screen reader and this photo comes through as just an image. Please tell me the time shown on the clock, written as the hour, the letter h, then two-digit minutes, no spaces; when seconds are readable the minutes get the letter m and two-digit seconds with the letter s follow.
9h07
